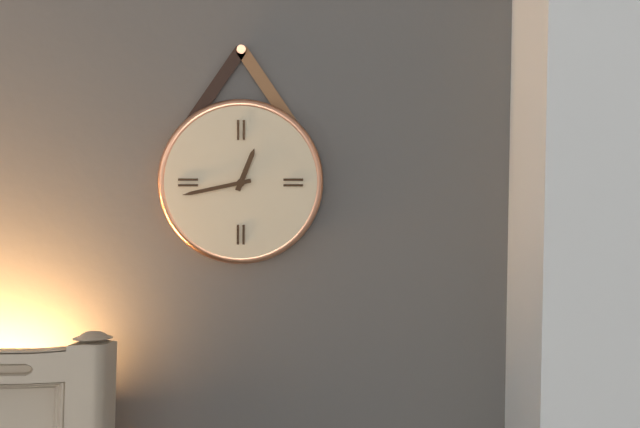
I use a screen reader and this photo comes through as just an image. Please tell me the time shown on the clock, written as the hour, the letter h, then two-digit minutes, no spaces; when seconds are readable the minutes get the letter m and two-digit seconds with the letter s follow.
12h43
